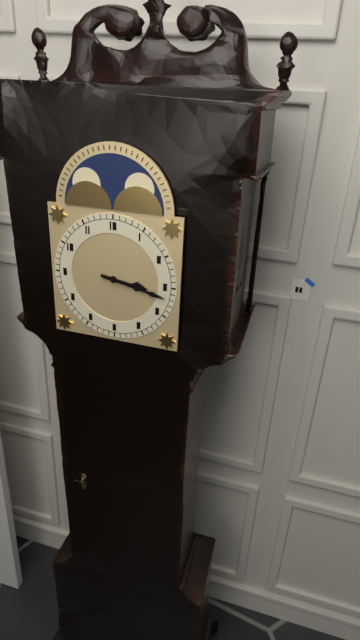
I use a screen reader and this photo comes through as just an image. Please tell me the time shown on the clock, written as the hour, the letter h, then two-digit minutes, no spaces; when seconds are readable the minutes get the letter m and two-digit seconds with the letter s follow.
3h17
